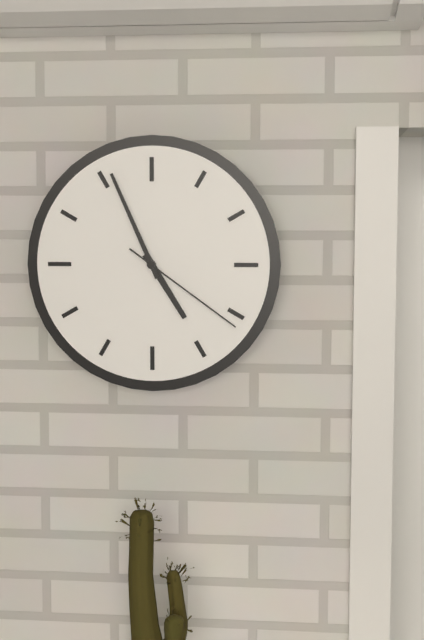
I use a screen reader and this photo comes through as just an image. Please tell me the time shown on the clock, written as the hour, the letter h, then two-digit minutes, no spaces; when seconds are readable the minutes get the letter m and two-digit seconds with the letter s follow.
4h56m21s
